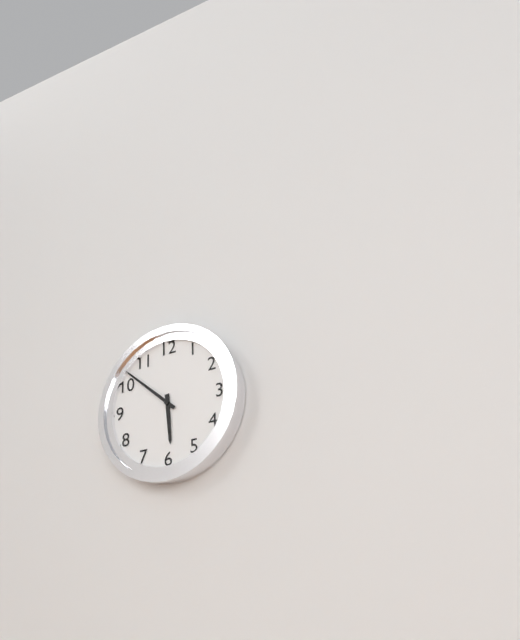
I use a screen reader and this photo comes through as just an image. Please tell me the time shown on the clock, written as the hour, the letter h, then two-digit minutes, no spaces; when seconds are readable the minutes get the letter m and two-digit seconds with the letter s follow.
5h52
